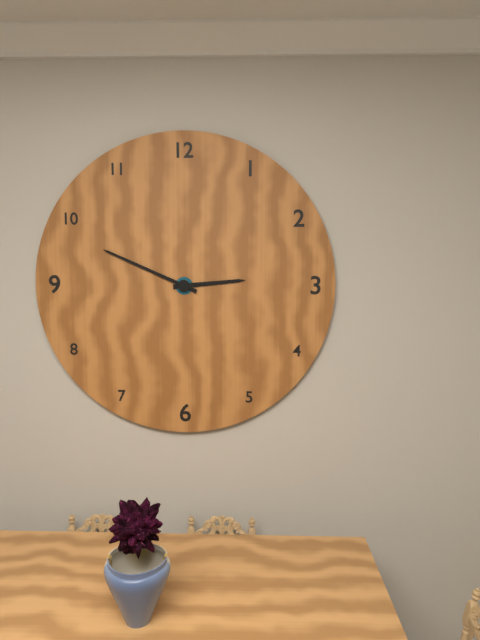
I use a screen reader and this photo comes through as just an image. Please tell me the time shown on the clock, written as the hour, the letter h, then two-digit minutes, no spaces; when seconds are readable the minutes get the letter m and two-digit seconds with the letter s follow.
2h49
